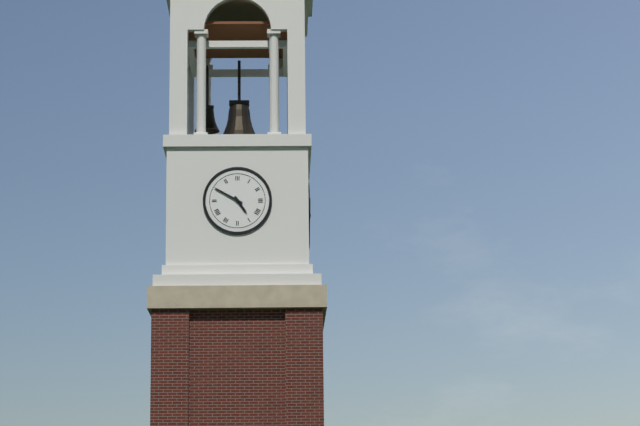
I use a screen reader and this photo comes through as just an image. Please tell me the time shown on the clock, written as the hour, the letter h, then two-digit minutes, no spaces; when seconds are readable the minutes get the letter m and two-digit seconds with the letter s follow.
4h50
